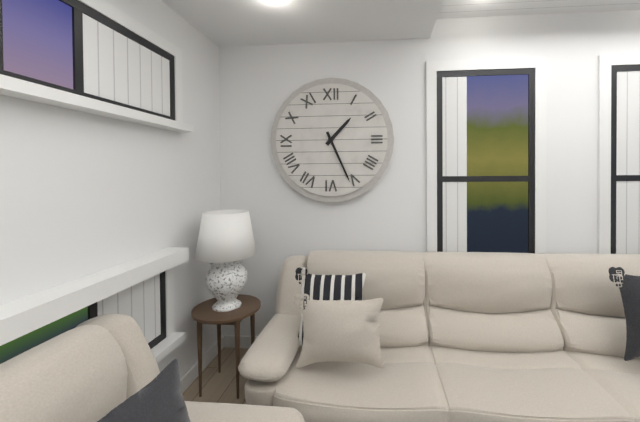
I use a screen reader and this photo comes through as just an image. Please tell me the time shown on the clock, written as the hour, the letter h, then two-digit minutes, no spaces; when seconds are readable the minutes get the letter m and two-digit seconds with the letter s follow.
1h26
